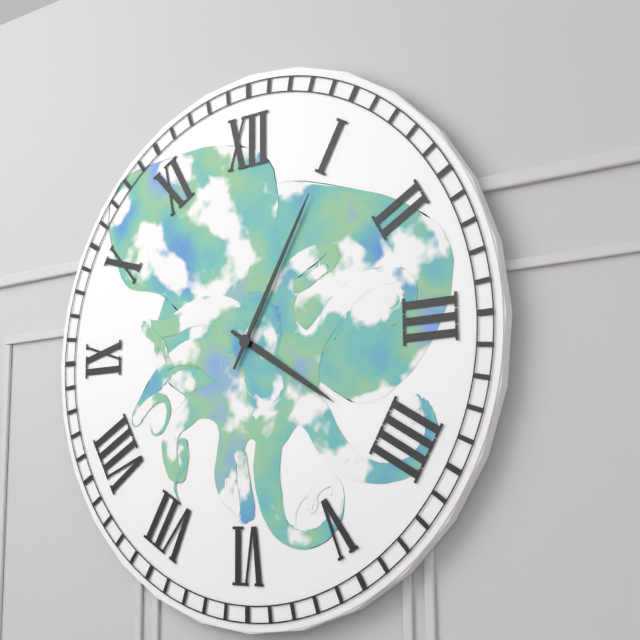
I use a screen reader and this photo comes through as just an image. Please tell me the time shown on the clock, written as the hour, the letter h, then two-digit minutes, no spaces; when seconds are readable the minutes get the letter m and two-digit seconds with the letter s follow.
4h05
